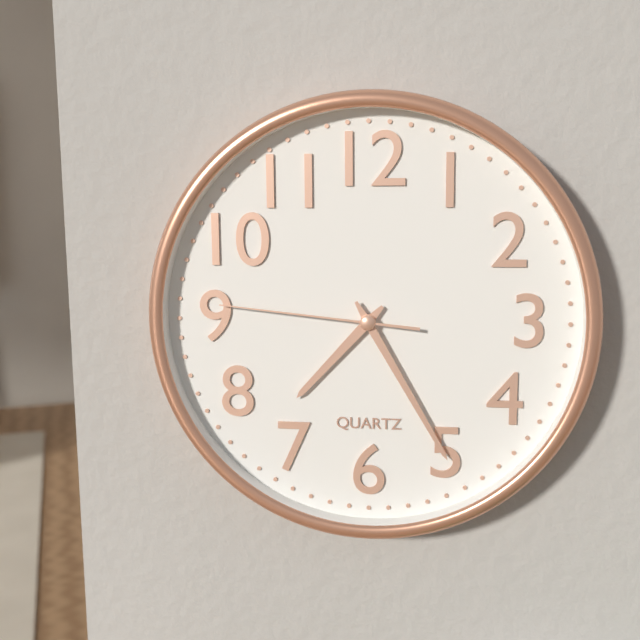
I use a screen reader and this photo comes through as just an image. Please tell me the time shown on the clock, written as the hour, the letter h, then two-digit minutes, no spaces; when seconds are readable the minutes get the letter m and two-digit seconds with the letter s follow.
7h25m46s
